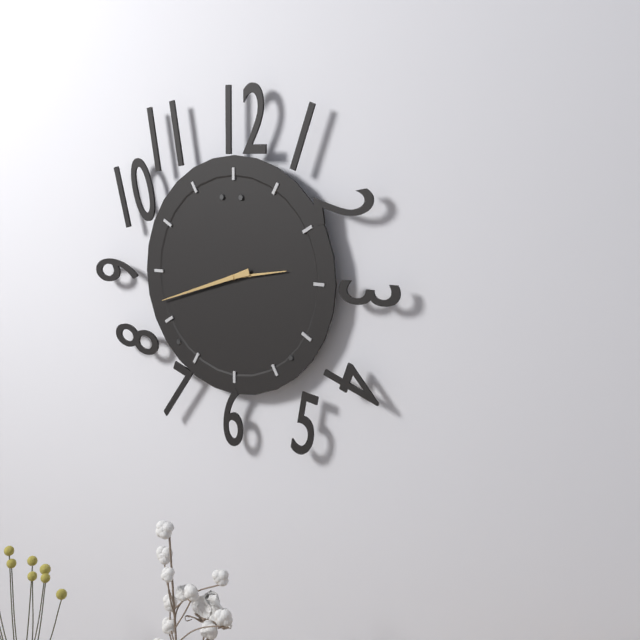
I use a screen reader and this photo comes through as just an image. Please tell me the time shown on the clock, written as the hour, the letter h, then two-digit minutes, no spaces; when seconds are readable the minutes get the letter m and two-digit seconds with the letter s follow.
2h42
